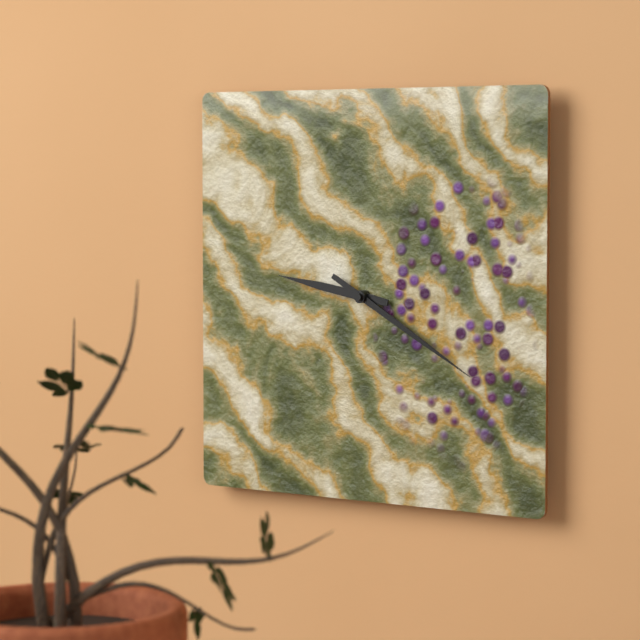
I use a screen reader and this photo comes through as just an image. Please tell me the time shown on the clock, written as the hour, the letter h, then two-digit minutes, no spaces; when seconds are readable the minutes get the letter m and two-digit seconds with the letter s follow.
9h20
